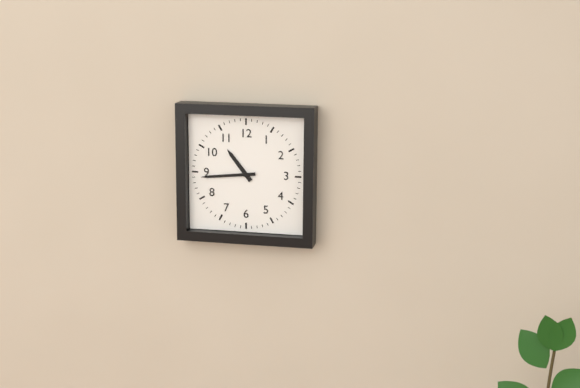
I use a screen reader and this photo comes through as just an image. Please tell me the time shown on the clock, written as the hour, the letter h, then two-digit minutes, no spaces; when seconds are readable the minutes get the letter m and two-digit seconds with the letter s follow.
10h44
